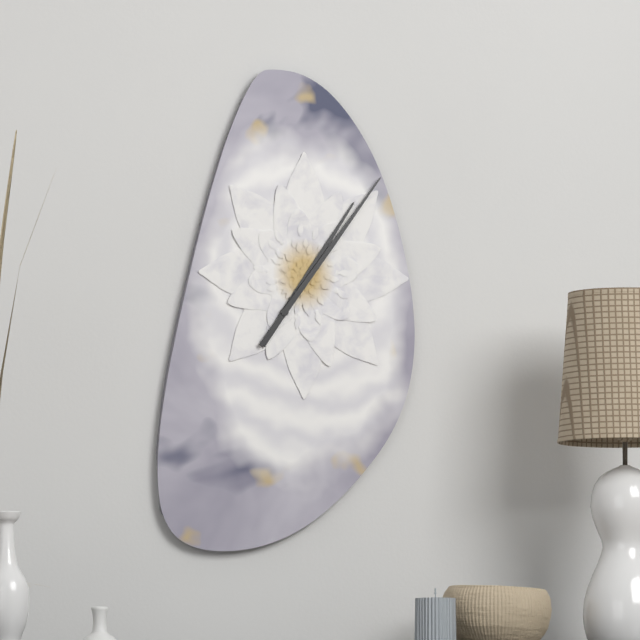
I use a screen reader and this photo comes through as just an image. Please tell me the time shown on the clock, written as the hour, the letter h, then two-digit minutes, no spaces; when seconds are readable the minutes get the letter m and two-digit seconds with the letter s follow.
1h06
